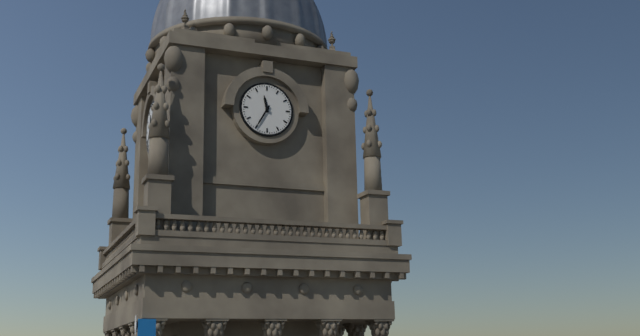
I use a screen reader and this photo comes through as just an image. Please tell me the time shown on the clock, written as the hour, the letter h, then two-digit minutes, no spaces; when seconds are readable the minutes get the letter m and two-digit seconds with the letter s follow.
11h35
